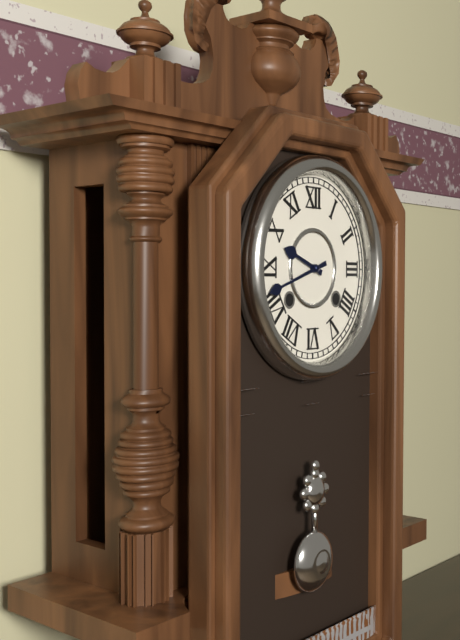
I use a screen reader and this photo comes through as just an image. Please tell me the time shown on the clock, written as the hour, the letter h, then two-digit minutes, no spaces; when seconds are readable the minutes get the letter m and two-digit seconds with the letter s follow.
9h42
